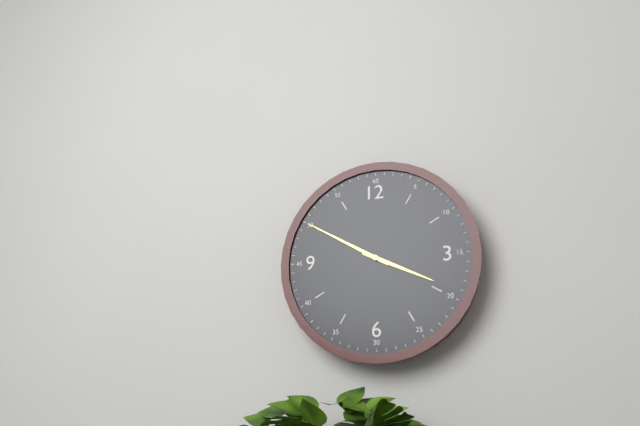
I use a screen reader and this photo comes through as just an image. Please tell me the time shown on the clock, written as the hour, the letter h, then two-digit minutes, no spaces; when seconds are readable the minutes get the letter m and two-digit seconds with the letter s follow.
3h50
